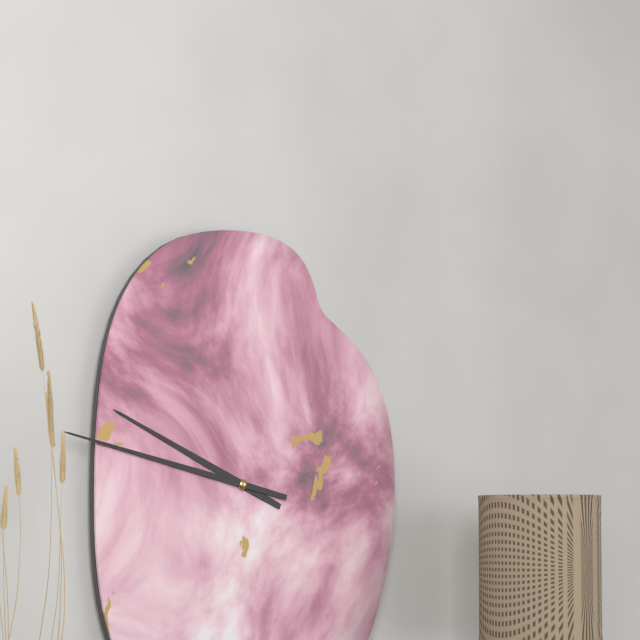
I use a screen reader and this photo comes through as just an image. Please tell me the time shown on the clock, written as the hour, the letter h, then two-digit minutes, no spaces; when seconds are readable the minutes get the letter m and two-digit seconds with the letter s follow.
9h47
